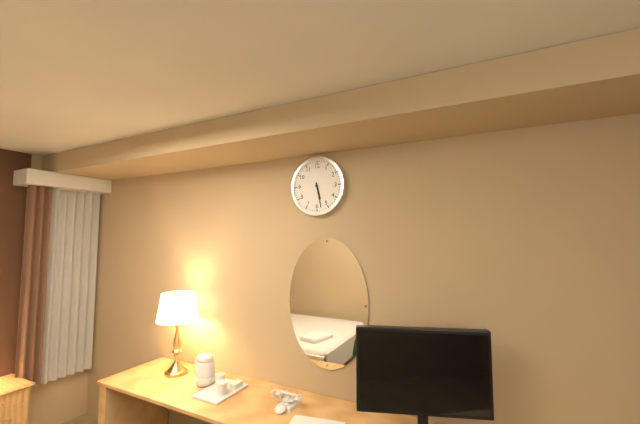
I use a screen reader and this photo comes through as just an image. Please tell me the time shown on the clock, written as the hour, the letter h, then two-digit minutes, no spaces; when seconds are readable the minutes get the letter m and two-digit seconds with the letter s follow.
5h28
